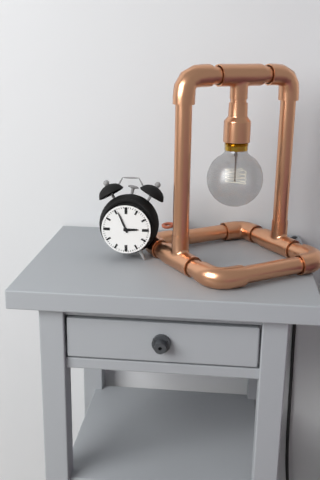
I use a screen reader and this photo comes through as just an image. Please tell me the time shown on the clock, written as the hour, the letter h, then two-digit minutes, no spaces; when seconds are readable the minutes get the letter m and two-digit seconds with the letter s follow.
2h56
